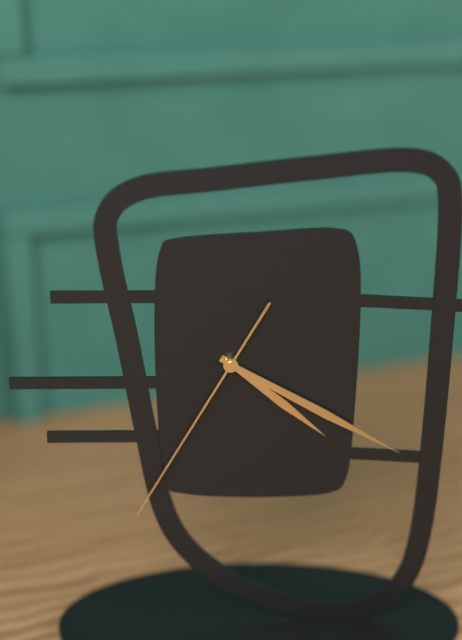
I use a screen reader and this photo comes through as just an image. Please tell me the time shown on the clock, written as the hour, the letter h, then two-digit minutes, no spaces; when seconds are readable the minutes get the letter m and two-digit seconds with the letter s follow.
4h20m35s
